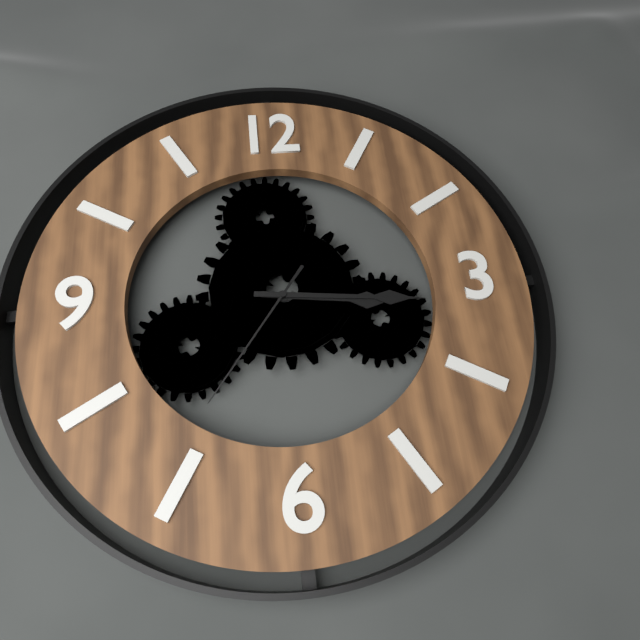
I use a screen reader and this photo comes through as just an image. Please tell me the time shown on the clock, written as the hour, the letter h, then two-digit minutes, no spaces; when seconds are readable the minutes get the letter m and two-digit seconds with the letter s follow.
3h16m36s
